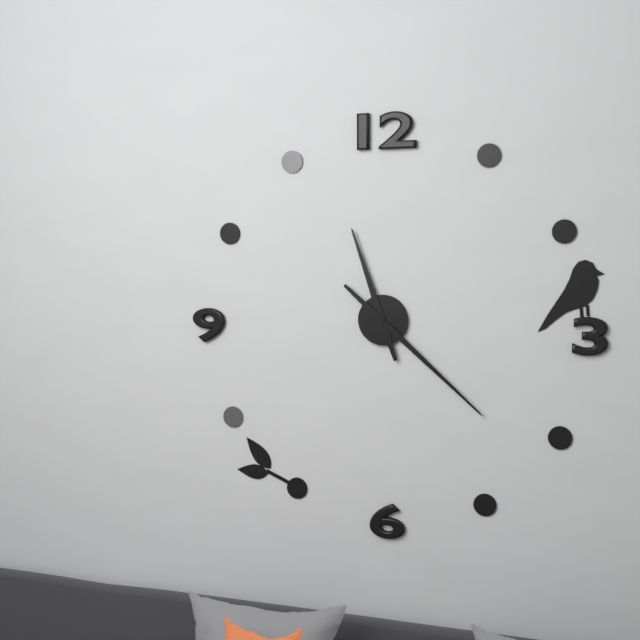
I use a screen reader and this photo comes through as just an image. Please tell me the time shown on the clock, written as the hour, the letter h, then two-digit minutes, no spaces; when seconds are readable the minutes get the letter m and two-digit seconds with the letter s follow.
11h22
